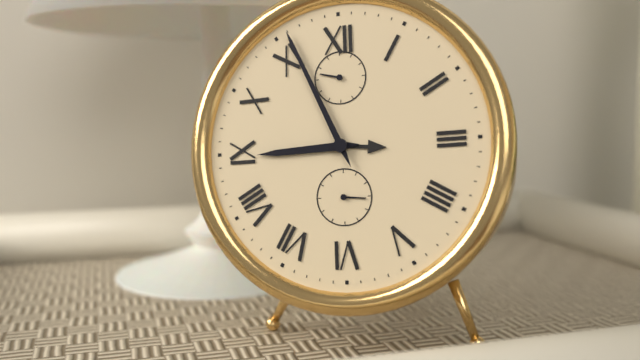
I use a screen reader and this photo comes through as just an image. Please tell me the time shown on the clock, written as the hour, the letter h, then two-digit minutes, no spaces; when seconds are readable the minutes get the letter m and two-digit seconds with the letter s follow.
8h56
